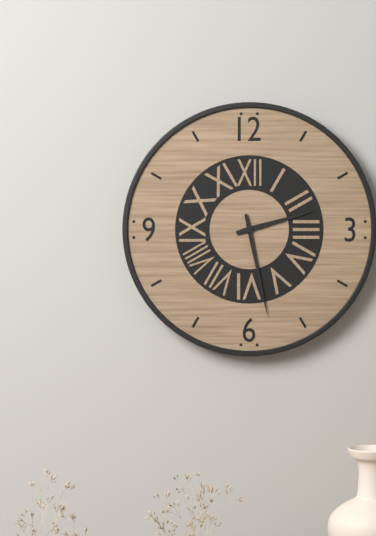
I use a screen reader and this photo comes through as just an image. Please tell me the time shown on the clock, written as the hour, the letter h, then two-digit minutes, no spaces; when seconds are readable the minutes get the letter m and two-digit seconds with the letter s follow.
2h28
